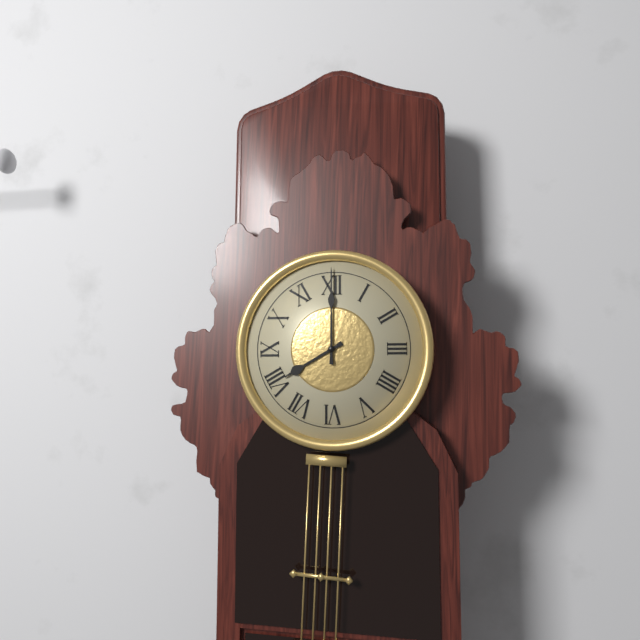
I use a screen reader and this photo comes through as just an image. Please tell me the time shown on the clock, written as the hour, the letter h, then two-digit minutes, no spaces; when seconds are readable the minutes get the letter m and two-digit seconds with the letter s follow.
8h00
